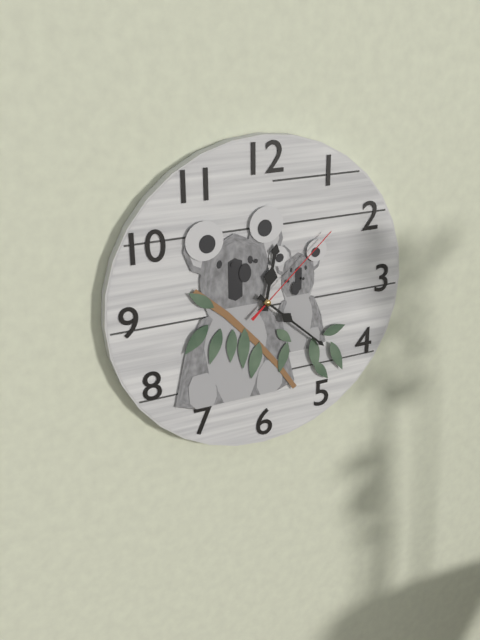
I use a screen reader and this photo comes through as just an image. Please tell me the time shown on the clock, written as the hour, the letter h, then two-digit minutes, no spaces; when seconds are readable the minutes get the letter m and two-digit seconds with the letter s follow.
12h22m08s
